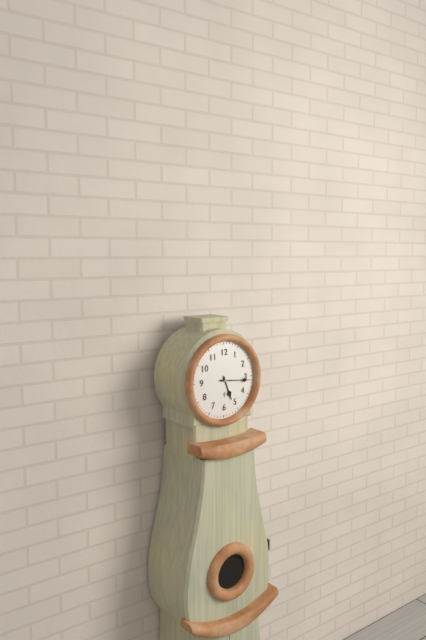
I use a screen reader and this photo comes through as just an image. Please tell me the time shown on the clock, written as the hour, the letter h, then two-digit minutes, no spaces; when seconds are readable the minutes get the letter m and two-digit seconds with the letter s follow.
5h16
